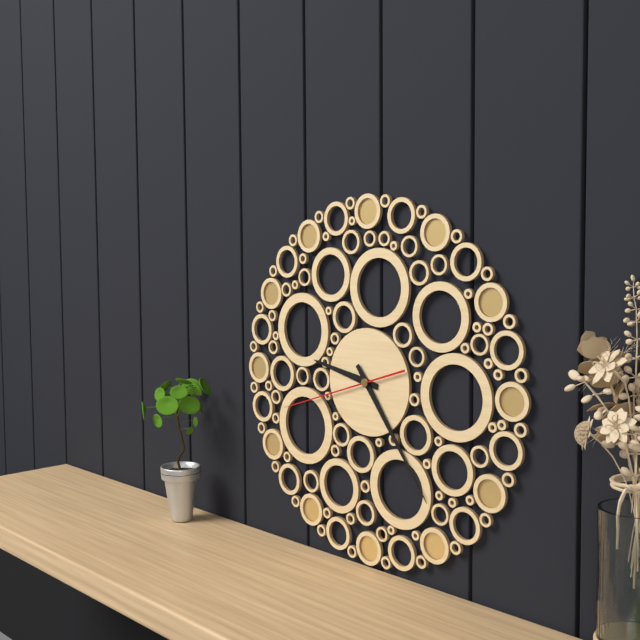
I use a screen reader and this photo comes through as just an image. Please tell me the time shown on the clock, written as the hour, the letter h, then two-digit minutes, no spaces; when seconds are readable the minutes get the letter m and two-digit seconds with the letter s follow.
9h24m42s
